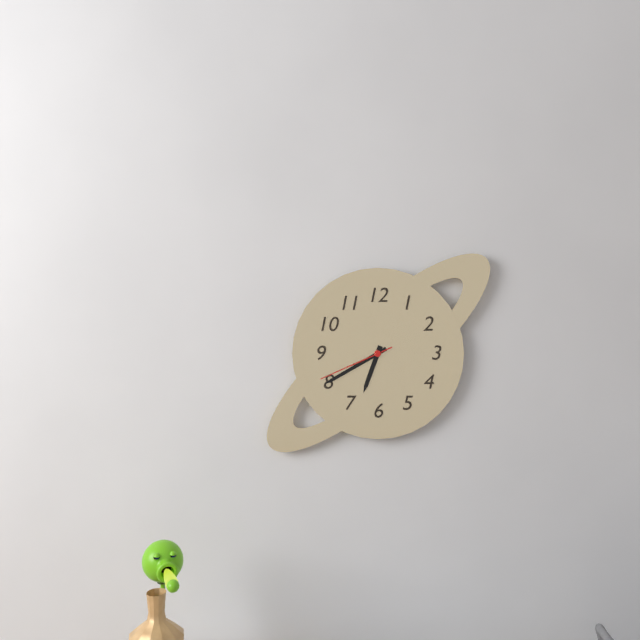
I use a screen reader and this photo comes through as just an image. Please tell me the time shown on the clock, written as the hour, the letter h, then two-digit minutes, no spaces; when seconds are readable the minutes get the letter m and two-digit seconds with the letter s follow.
6h40m41s
